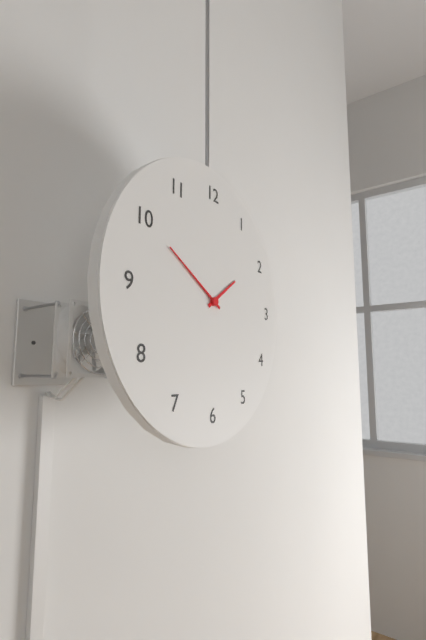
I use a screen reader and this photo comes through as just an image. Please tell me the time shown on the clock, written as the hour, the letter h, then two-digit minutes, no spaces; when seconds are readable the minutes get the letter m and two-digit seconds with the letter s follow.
1h50
